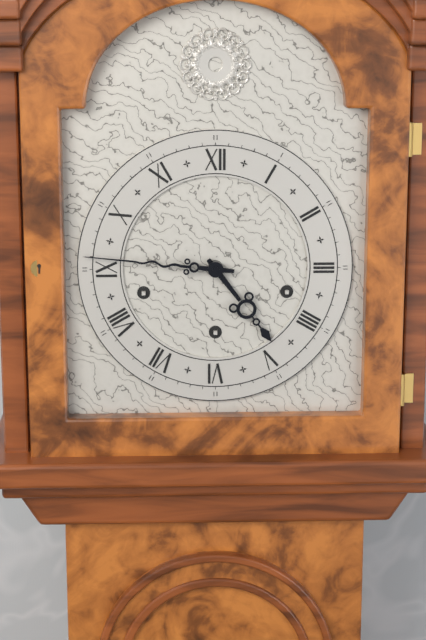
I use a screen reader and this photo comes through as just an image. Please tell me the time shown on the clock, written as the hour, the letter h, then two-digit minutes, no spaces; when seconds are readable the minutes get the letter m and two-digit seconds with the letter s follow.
4h46
